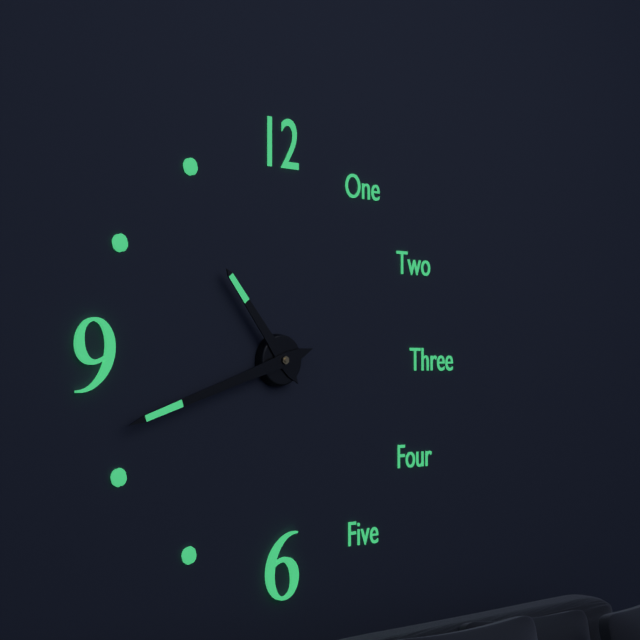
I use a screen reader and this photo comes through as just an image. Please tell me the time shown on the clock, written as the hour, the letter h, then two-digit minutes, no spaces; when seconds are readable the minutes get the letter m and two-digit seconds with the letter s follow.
10h42
